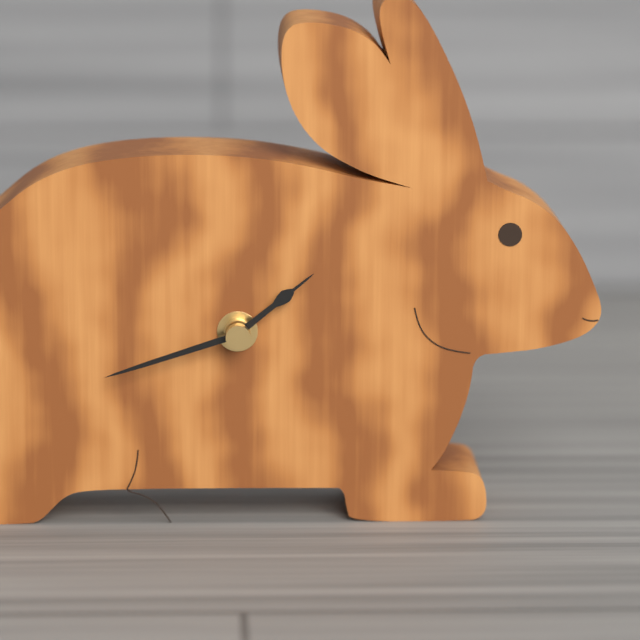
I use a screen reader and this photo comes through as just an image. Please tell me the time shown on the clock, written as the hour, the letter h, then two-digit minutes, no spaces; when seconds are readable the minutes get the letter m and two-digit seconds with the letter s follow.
1h42
